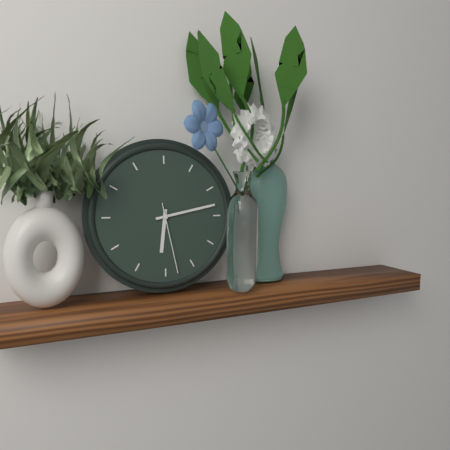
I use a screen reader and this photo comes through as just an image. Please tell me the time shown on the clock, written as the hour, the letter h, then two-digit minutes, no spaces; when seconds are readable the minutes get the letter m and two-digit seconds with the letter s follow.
6h13m28s
